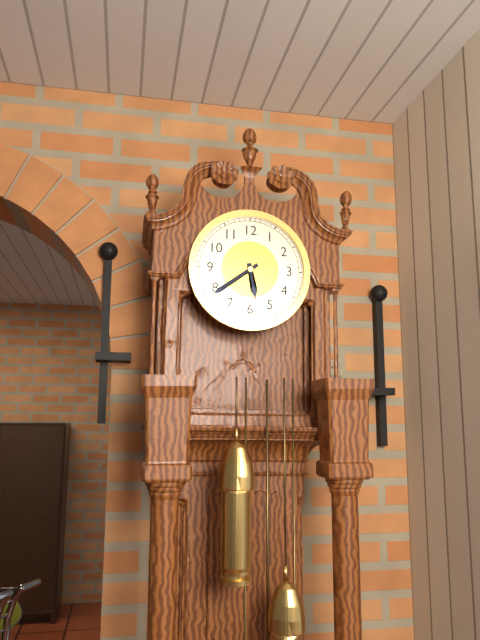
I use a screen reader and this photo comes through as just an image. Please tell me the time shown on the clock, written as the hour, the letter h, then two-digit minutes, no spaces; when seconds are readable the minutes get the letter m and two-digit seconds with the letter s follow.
5h39
